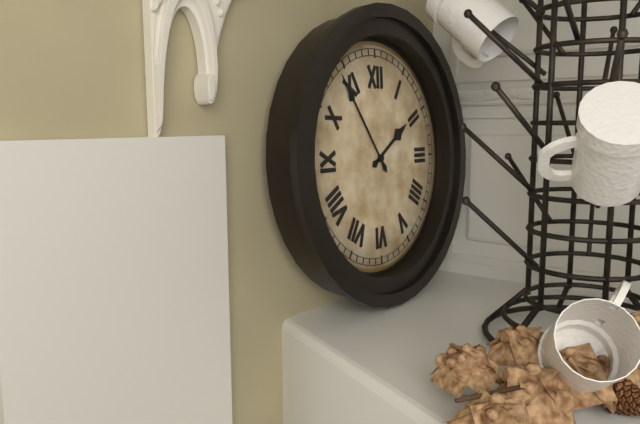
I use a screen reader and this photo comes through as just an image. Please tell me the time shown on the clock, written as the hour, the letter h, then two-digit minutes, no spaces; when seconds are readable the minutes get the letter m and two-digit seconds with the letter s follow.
1h54
